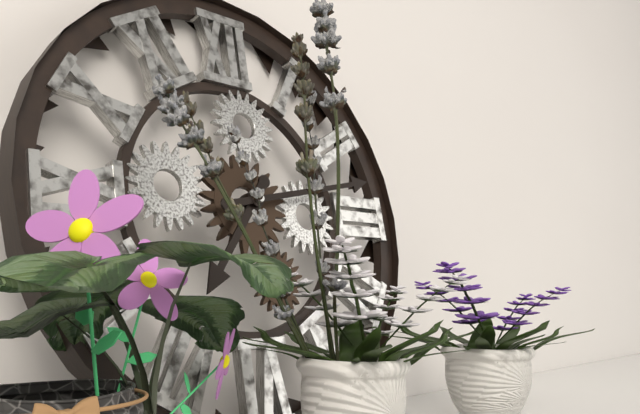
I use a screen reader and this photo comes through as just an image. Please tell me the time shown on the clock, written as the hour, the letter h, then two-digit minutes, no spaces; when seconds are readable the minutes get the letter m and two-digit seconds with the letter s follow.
7h13
